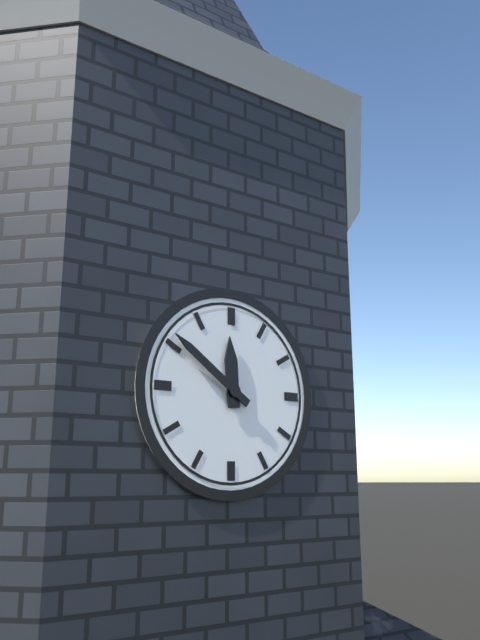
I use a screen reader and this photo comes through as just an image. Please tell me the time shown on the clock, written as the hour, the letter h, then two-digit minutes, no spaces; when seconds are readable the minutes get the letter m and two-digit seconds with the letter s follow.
11h51
